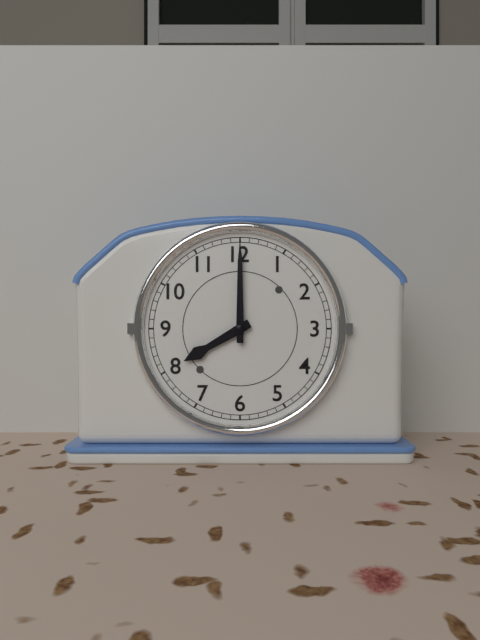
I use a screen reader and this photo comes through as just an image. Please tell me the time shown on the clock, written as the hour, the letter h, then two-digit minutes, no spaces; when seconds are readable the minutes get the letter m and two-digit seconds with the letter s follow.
8h00
